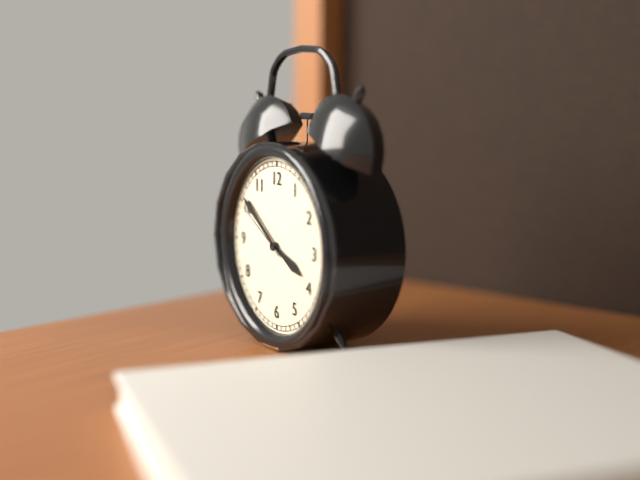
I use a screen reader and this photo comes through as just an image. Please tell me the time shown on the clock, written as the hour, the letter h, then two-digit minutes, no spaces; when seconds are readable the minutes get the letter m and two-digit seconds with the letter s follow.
3h51m50s
